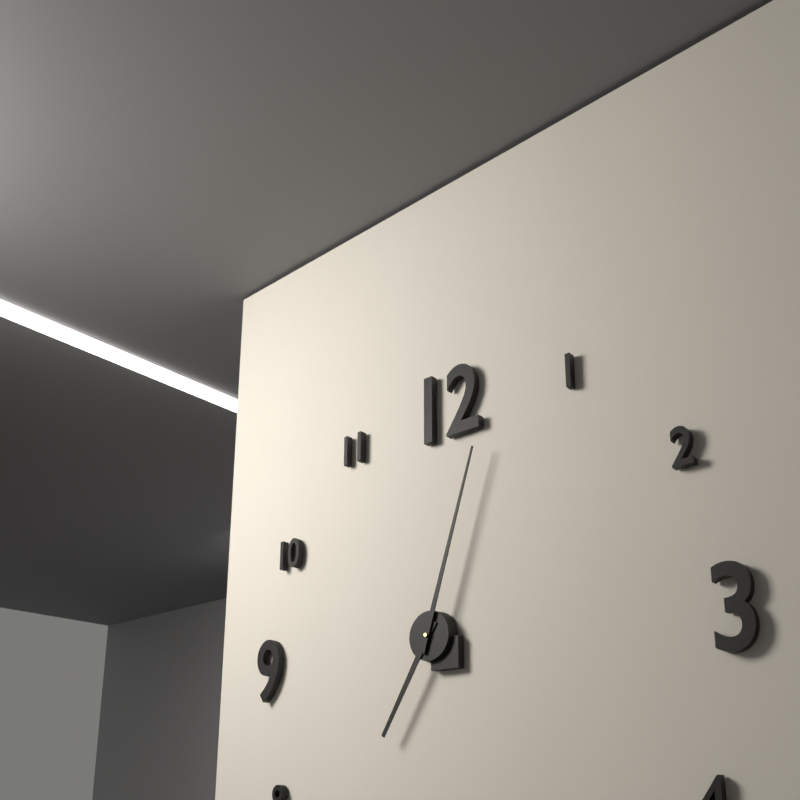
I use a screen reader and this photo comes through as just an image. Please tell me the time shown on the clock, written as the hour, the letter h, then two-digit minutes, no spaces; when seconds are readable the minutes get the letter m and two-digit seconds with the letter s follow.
7h03
